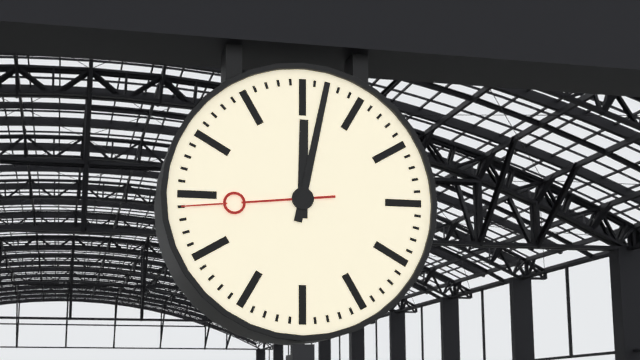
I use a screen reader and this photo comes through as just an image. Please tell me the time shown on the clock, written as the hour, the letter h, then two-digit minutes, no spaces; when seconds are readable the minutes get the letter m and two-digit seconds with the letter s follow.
12h02m44s
